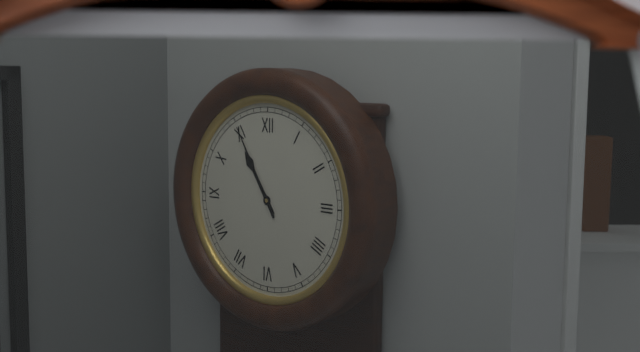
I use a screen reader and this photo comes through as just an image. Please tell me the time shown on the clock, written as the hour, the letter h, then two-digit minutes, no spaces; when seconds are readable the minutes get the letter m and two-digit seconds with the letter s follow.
10h55
